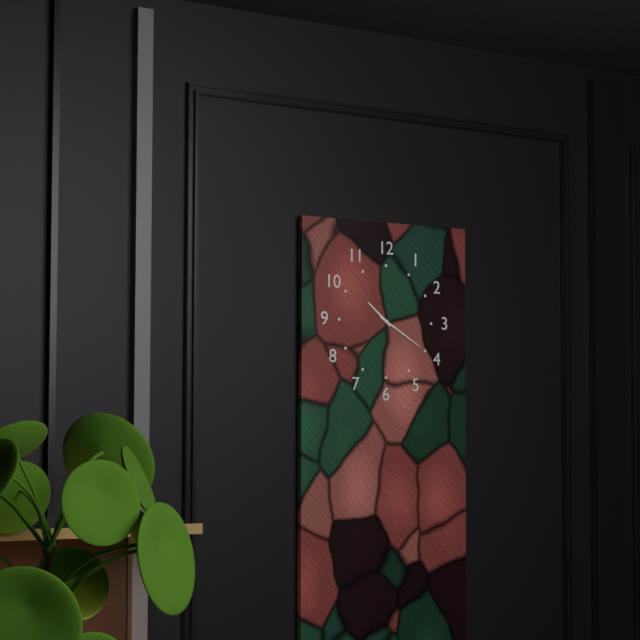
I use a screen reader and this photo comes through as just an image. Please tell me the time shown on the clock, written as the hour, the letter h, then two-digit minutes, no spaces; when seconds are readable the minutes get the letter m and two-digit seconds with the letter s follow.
10h20
